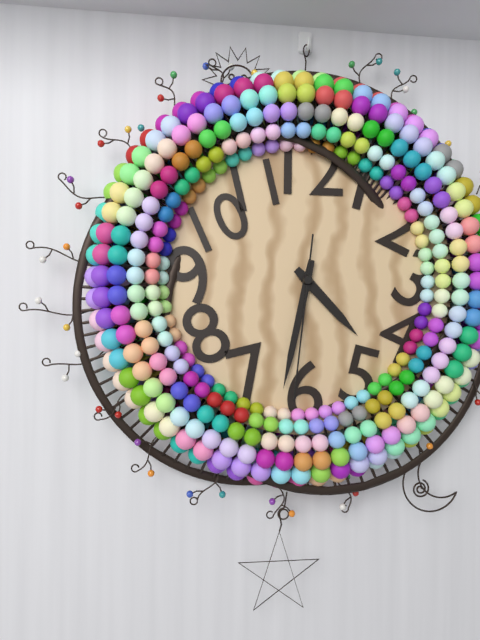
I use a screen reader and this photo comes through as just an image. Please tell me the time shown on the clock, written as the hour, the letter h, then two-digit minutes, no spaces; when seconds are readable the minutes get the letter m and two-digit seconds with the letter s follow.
4h32m31s
